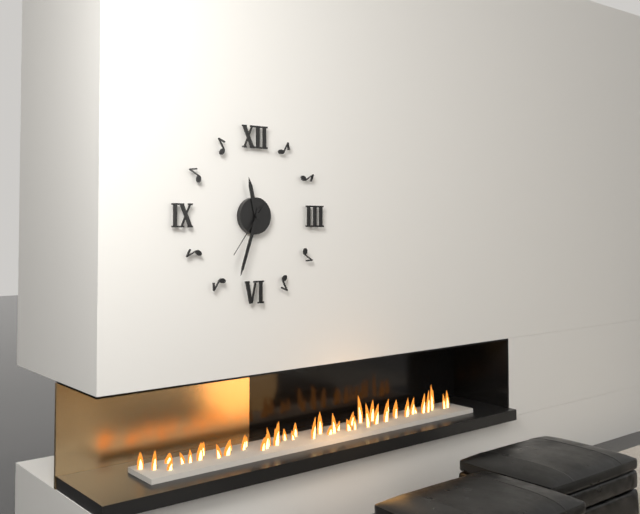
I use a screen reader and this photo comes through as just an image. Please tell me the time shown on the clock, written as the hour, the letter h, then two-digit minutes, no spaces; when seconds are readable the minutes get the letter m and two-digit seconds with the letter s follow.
11h33m36s
